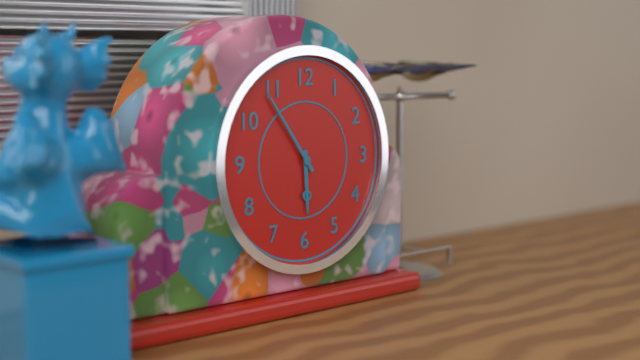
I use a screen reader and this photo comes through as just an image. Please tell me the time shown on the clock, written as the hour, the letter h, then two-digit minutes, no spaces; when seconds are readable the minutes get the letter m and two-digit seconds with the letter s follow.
5h54
